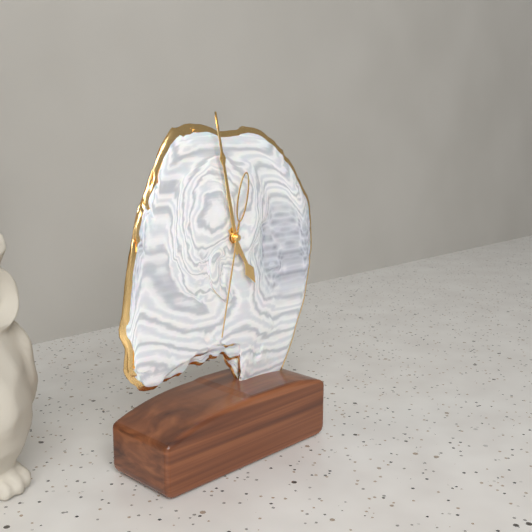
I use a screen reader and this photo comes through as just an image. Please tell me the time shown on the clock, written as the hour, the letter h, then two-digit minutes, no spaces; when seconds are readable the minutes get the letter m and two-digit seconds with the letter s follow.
4h58m32s
